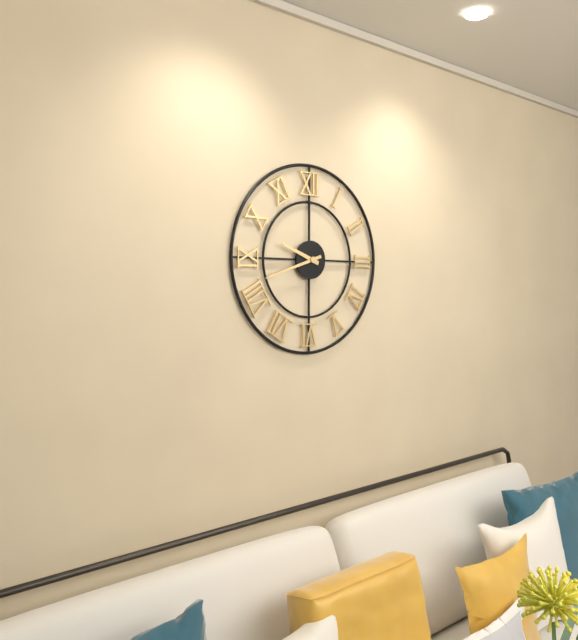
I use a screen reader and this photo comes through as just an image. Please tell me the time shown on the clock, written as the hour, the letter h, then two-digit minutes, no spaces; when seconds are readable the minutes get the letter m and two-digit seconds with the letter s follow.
9h42
